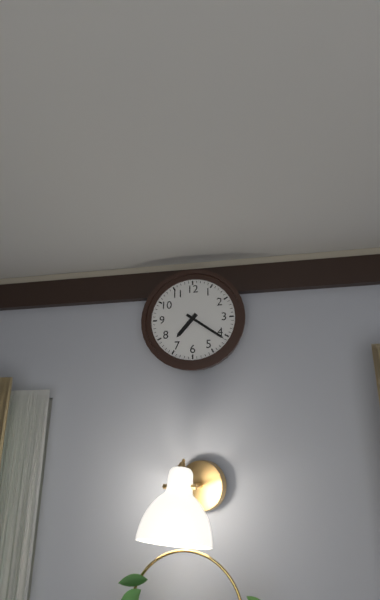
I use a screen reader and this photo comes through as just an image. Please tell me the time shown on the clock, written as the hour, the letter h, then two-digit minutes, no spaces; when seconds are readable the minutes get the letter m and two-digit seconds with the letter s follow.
7h21
